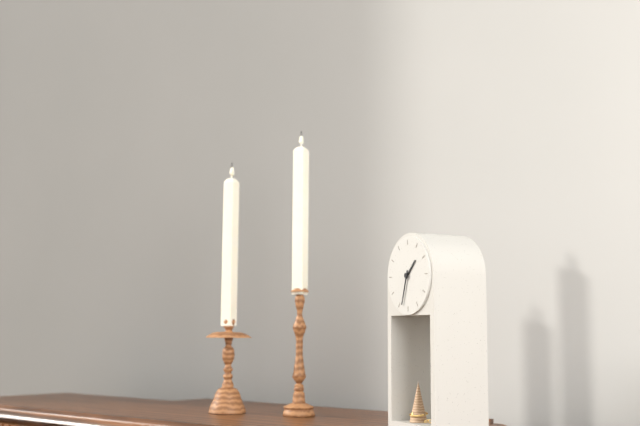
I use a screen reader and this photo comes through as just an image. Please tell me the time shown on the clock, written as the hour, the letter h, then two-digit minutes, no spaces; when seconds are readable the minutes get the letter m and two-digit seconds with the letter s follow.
1h33
